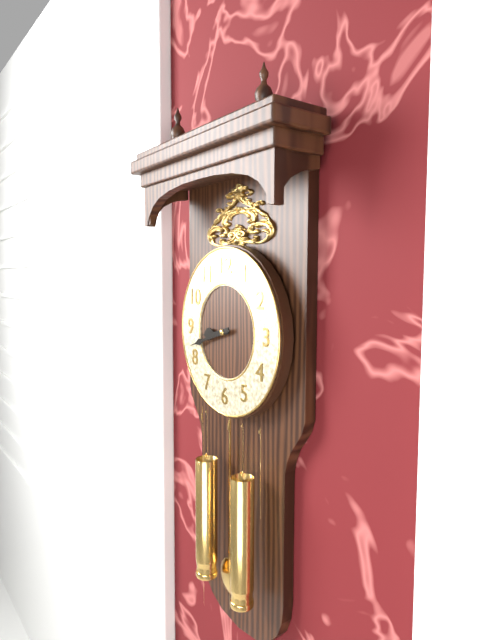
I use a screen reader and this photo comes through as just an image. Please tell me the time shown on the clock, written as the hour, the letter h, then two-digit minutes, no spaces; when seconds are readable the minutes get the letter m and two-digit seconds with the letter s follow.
8h42
